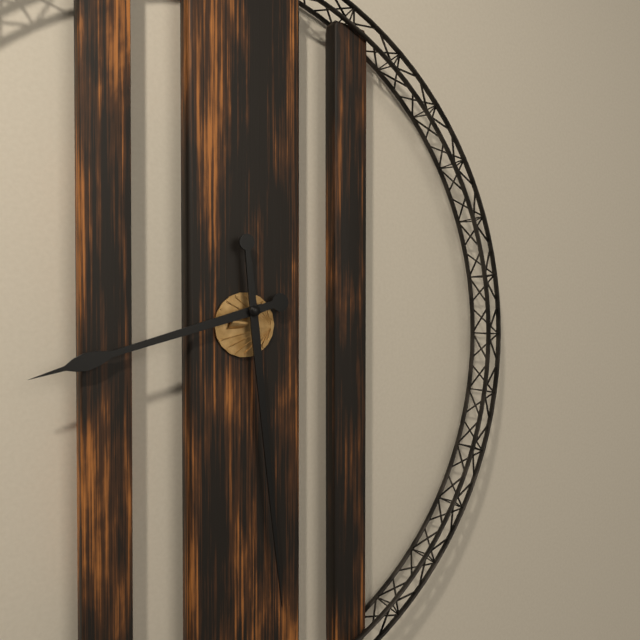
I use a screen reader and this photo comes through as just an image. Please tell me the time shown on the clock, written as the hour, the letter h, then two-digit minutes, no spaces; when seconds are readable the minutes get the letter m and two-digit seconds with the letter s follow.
8h29
